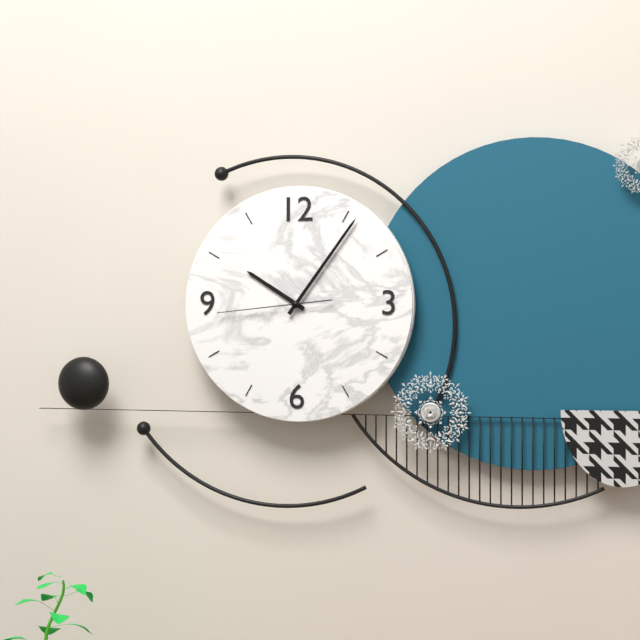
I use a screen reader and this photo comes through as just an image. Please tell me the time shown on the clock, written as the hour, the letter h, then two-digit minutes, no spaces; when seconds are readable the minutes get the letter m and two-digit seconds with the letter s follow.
10h06m44s
